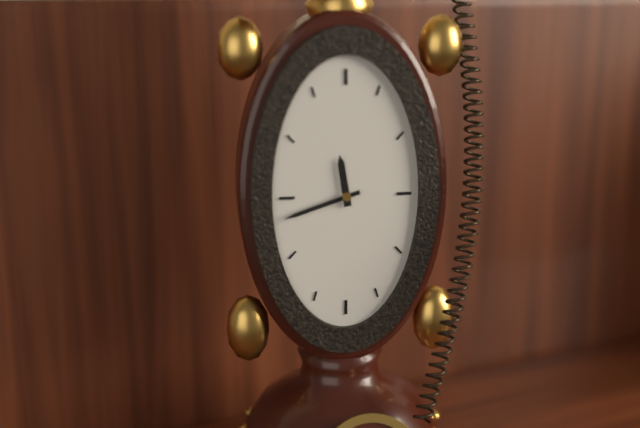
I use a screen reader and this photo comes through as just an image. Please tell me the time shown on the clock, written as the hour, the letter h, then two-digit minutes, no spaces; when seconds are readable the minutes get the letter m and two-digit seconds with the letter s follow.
11h42
